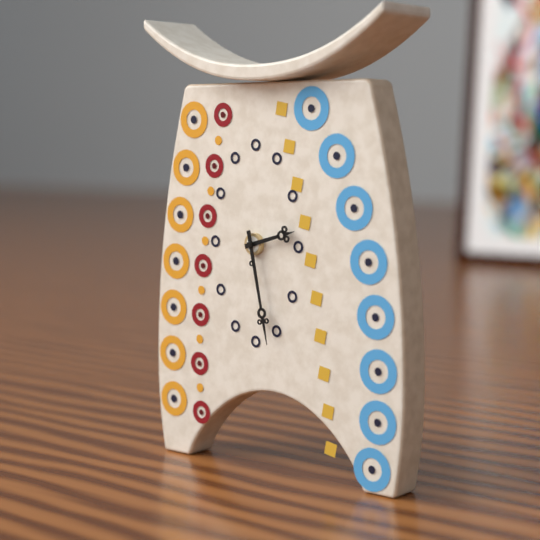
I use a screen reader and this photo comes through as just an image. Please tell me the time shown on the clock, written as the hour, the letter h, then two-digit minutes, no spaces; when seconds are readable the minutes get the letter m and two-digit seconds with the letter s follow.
2h28
